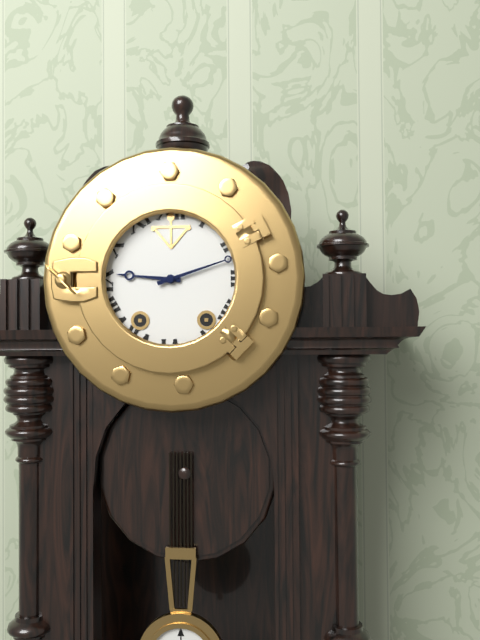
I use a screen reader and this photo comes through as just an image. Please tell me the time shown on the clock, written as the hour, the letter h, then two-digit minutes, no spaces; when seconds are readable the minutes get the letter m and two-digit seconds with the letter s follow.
9h12
